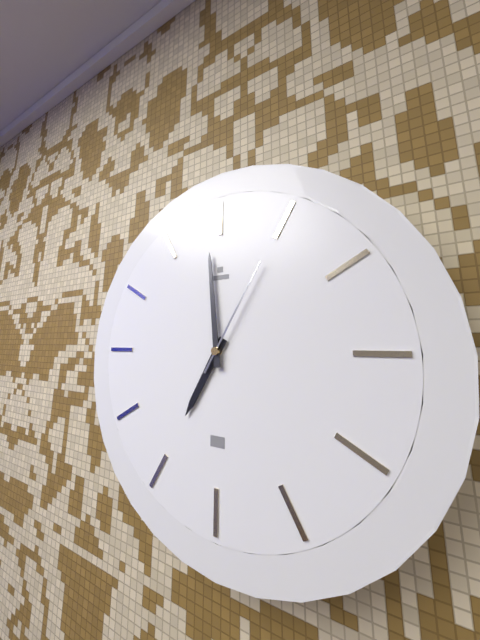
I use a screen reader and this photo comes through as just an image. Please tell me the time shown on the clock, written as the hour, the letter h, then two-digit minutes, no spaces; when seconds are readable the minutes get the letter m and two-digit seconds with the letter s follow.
6h59m05s
